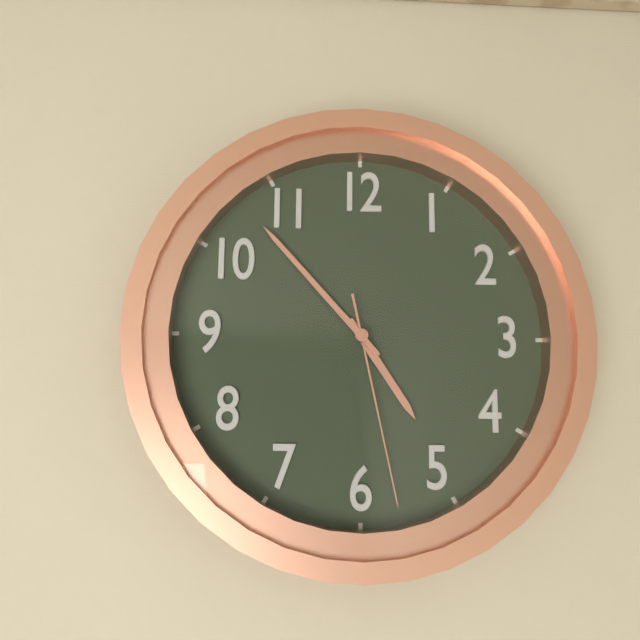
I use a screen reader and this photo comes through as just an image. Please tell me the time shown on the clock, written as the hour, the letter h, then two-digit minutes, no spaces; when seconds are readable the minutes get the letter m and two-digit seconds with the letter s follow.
4h53m28s
